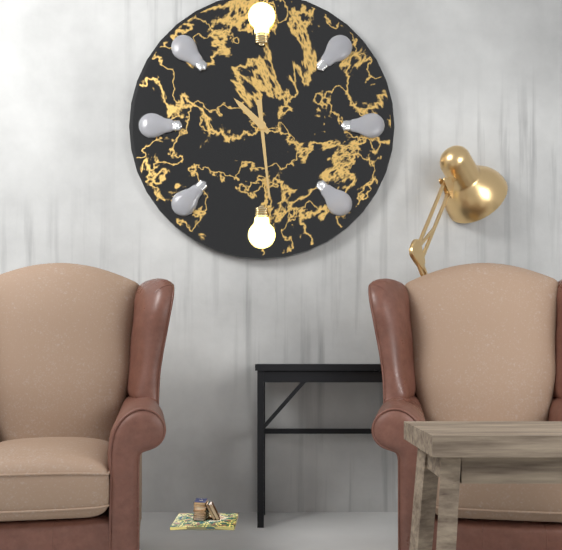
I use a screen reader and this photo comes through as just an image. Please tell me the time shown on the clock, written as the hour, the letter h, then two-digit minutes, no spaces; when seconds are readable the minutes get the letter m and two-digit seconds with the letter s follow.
10h29
